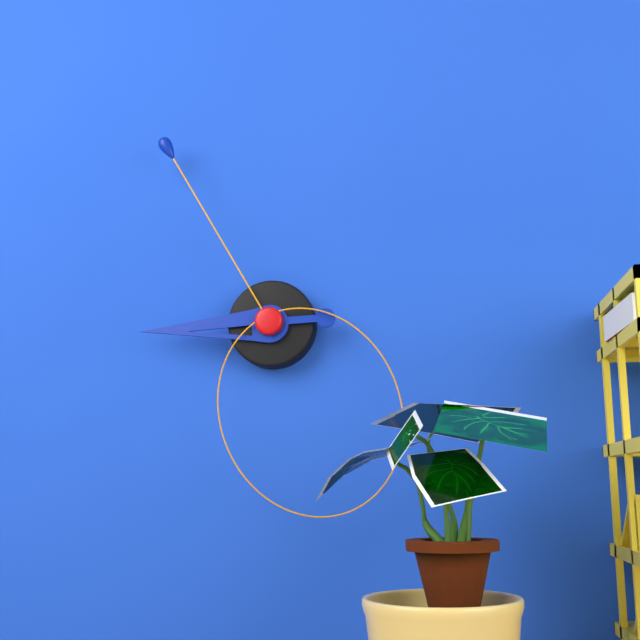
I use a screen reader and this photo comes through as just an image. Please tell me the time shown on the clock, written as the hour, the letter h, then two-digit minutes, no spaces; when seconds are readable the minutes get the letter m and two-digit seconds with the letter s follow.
8h55m26s
